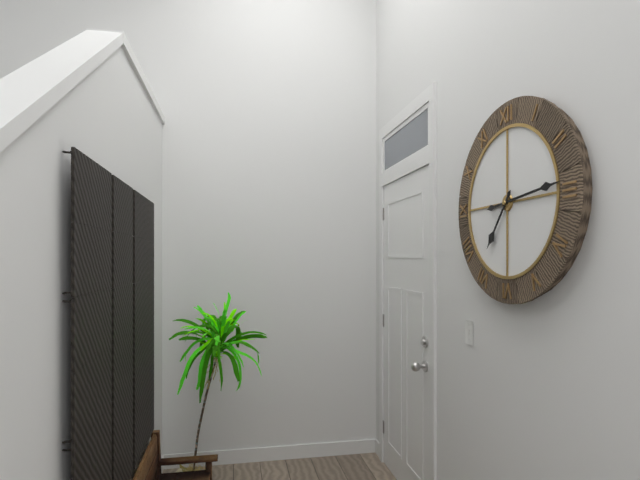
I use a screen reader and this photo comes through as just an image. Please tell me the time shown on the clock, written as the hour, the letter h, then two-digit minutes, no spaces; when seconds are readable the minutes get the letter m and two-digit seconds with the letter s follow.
7h14
